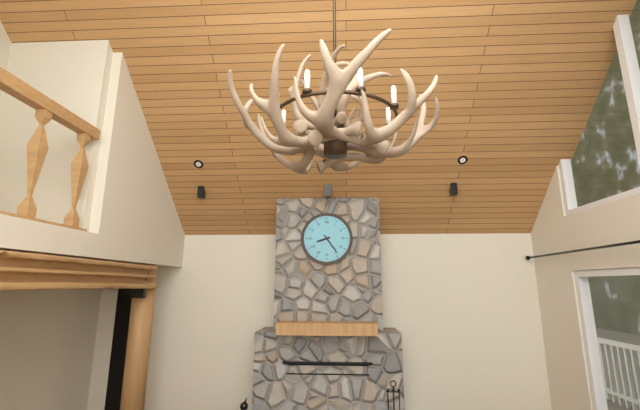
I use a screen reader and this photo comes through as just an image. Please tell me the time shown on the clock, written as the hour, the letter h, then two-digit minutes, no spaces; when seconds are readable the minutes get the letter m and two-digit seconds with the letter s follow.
8h24
